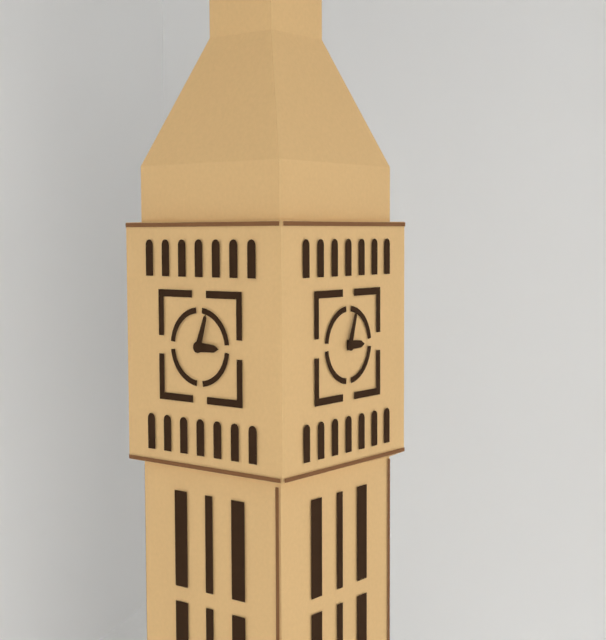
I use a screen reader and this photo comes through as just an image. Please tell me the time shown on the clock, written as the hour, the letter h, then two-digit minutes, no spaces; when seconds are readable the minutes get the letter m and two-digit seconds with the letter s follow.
3h03
